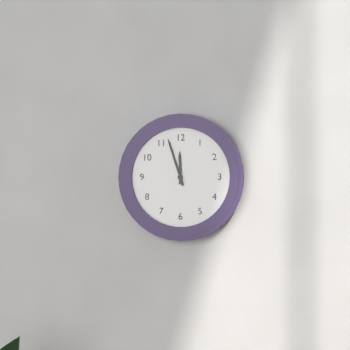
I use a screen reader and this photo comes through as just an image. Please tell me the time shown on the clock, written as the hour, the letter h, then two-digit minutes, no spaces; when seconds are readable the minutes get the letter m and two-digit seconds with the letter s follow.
11h57
